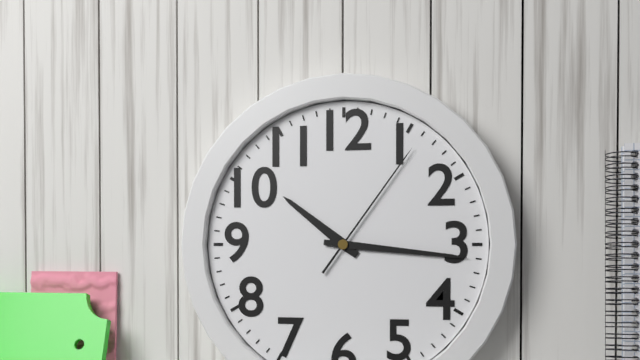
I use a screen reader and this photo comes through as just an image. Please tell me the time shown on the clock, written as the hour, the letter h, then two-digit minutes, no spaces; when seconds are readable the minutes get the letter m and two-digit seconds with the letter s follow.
10h16m06s
